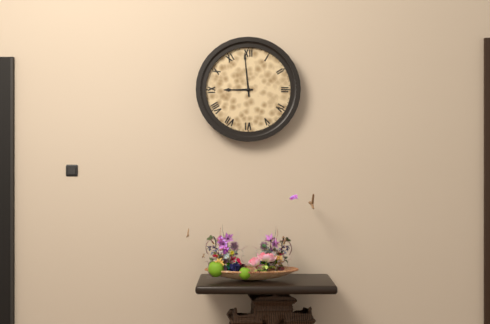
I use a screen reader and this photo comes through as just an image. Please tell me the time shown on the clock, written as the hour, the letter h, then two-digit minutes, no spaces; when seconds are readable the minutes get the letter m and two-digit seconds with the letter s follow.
8h59
